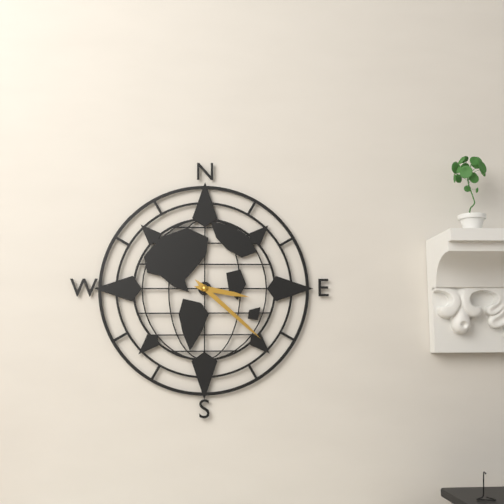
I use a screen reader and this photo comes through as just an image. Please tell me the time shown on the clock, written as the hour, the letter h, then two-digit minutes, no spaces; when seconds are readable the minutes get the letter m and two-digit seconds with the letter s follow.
3h22
